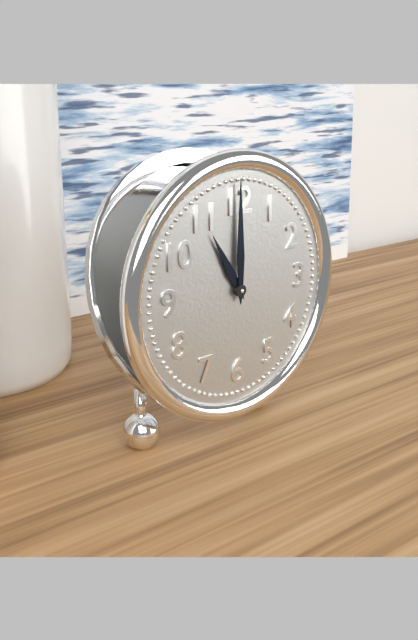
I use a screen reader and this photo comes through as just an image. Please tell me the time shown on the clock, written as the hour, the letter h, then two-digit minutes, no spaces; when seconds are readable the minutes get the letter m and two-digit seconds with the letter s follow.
11h00
